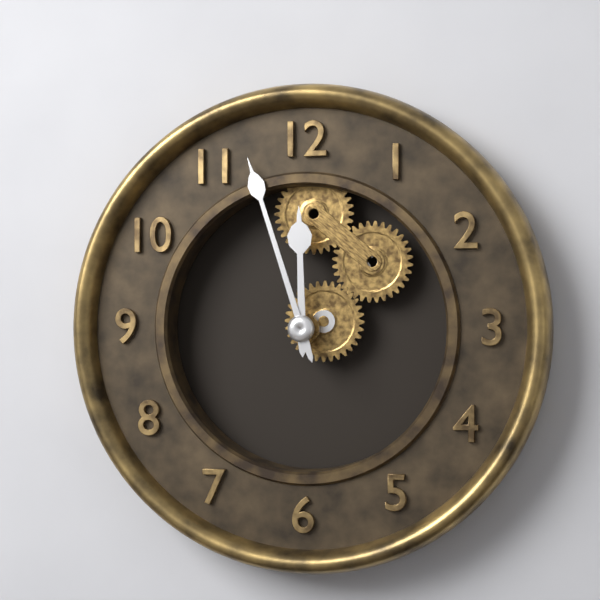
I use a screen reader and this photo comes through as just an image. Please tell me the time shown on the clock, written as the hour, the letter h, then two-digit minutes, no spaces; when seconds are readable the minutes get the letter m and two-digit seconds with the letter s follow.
11h57
